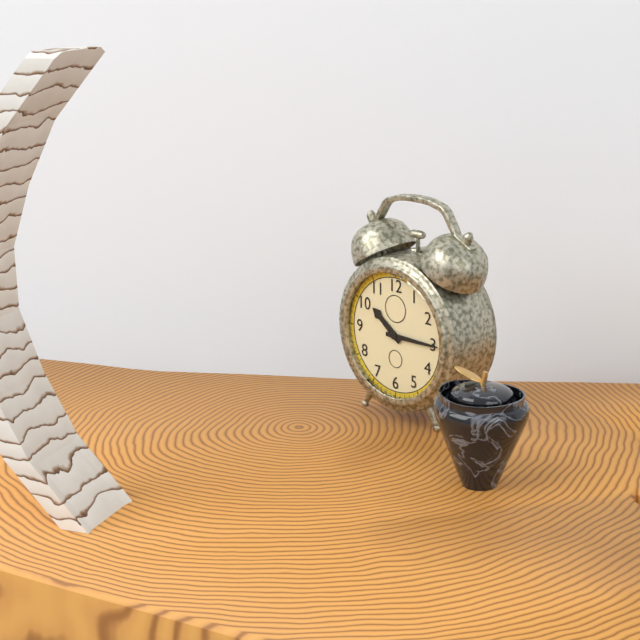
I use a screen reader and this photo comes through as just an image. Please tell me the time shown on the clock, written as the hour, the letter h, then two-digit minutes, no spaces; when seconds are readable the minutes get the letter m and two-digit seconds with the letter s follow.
10h15
